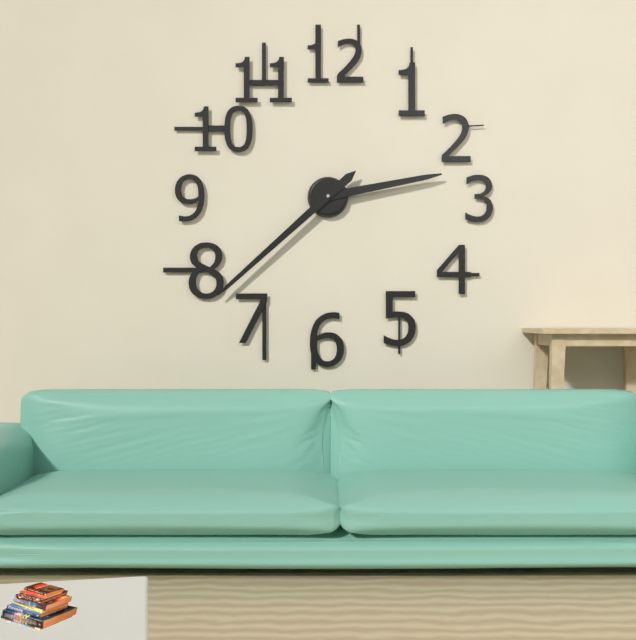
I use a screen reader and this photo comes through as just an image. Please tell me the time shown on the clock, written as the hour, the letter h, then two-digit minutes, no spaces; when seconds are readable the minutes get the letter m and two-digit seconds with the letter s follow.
2h38
